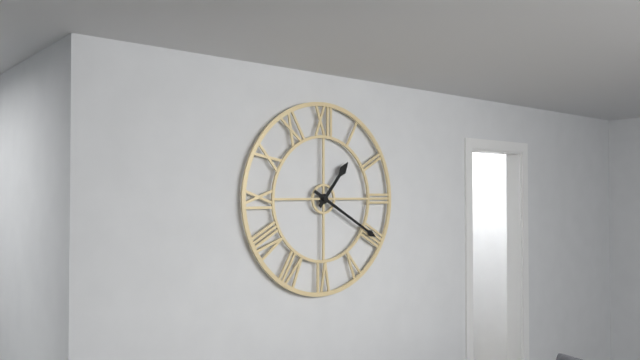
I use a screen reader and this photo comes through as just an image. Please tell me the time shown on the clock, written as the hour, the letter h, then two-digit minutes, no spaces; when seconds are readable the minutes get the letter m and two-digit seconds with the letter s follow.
1h20
